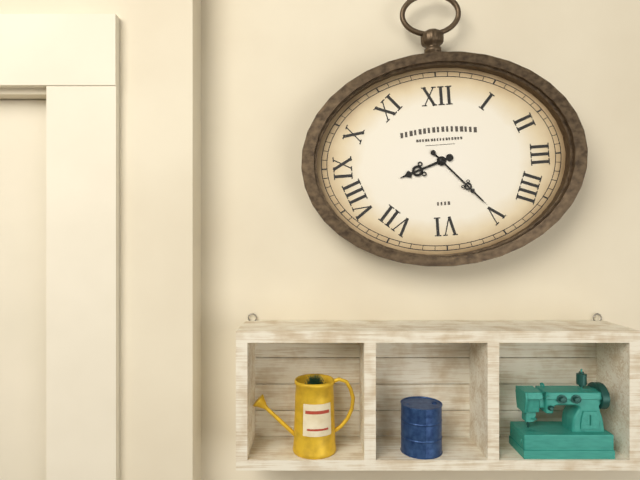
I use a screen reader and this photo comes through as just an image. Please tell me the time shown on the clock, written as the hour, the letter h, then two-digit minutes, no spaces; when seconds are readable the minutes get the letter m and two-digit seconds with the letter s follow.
8h23
